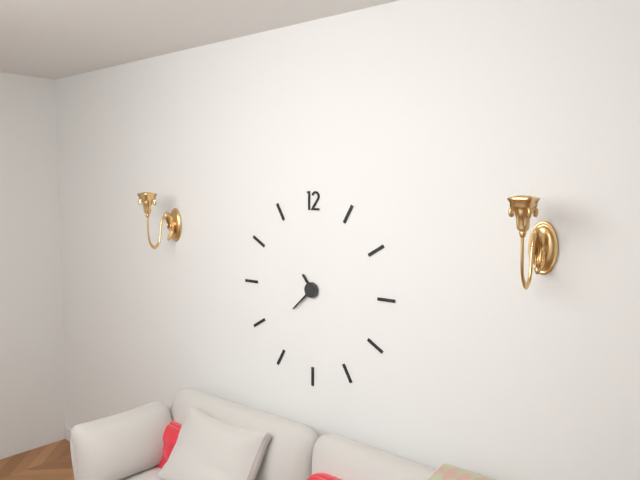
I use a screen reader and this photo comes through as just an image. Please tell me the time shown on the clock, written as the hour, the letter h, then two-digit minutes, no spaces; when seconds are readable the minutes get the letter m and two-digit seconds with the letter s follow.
10h38
